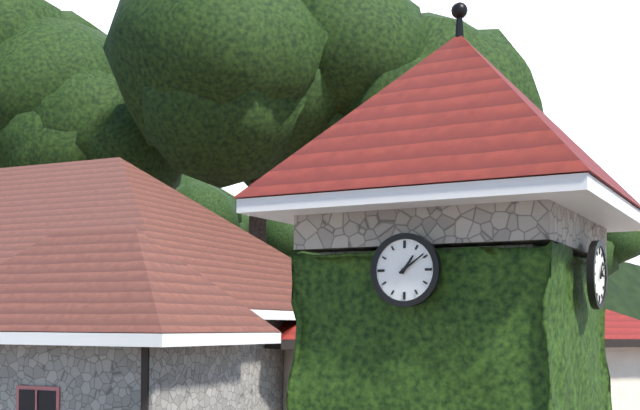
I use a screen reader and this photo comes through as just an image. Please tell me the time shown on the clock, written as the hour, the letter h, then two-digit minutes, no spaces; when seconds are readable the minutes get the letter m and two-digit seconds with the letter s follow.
1h09
